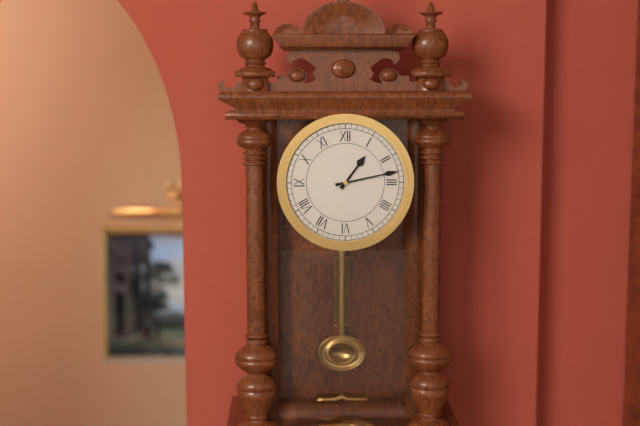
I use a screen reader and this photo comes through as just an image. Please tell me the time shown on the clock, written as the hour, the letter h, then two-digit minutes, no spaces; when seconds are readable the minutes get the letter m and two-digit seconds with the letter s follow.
1h13
